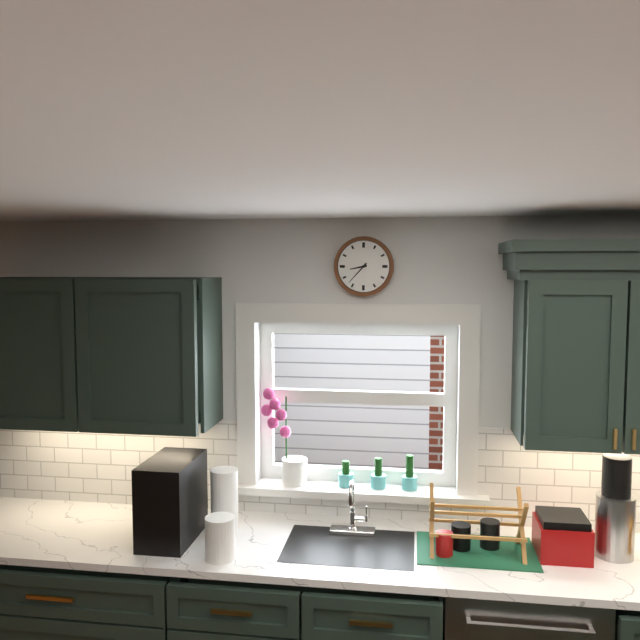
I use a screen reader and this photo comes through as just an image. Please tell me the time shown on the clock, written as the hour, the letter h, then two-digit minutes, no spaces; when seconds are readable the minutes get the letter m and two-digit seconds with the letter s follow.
8h37
